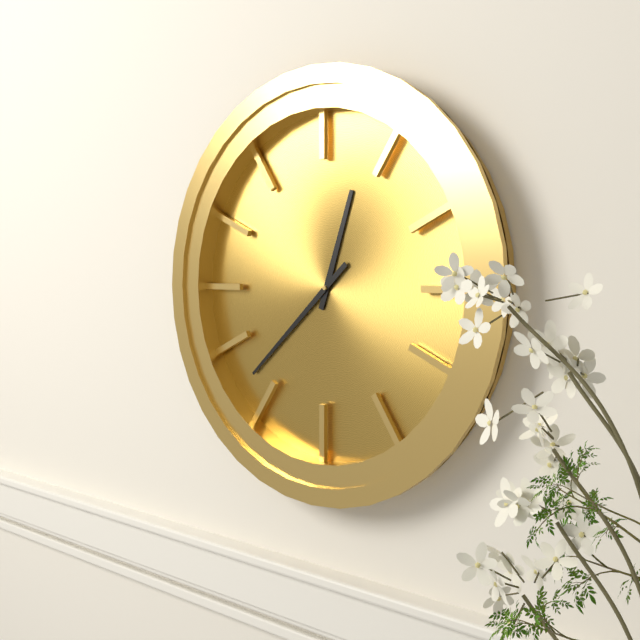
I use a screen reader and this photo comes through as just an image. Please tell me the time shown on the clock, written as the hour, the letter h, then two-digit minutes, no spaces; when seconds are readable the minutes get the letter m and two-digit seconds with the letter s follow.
12h38
